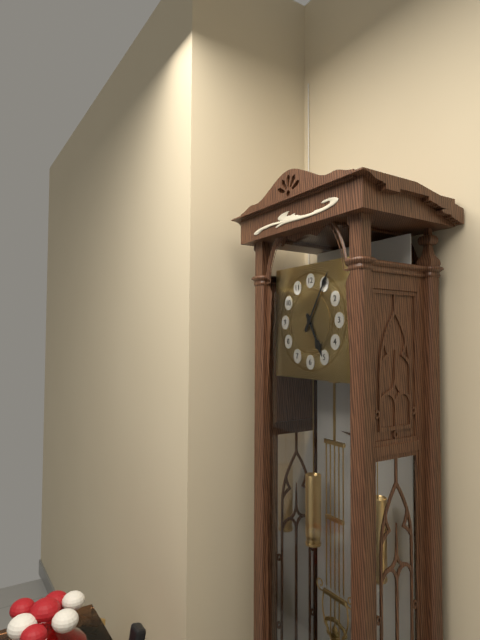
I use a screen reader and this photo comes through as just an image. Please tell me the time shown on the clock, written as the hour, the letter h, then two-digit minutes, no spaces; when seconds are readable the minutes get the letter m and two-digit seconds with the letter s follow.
5h05
